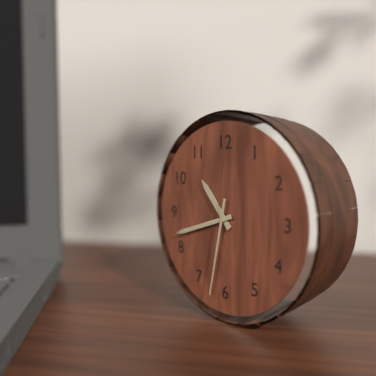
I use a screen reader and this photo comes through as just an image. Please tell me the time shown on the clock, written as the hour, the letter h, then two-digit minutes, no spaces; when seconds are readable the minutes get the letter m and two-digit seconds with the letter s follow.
10h42m32s
